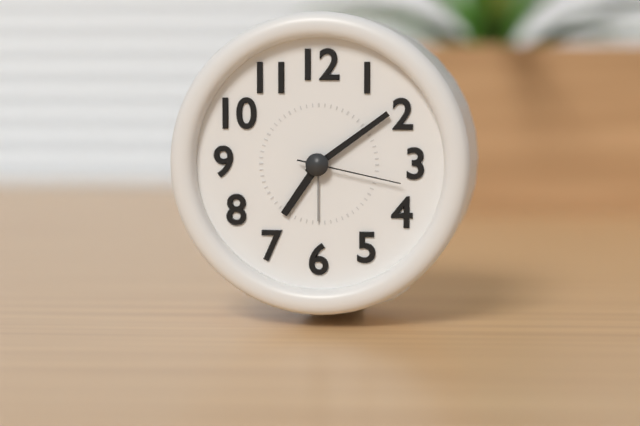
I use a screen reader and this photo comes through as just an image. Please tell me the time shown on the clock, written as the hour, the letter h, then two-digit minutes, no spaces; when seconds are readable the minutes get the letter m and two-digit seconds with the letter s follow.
7h09m17s
